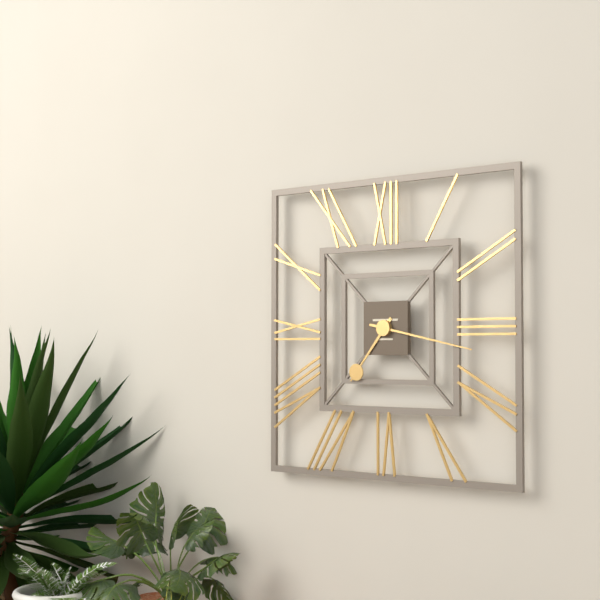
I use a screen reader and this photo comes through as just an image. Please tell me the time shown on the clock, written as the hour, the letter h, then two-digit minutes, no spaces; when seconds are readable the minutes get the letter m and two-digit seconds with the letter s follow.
7h17
